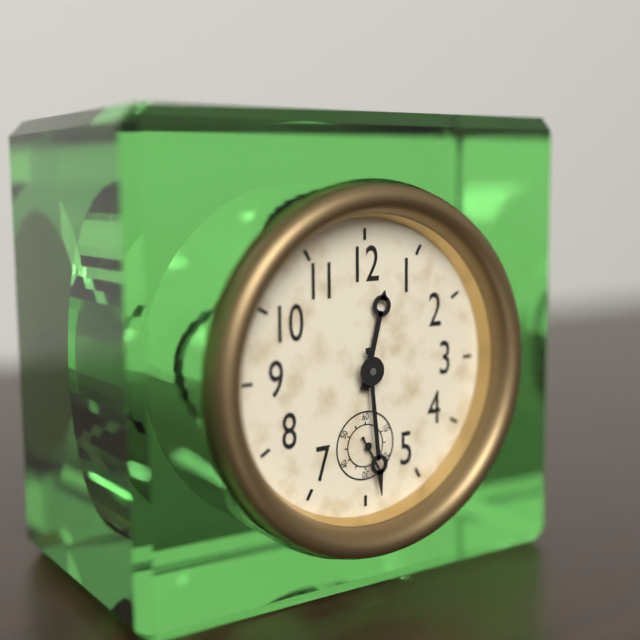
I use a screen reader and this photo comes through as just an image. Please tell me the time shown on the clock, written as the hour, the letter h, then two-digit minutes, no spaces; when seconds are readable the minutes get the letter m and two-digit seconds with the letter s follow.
12h29
